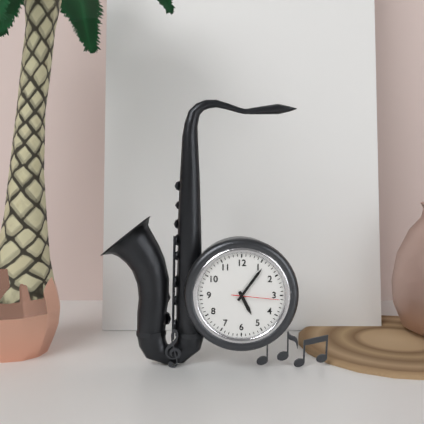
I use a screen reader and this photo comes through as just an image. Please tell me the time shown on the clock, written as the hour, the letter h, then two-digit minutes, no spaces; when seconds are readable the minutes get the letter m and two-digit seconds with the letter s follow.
5h06
